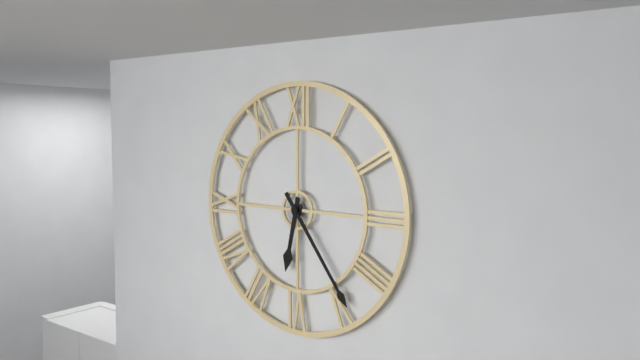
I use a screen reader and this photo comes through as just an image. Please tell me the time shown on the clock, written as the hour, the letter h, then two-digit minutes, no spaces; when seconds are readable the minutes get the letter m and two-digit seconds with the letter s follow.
6h24
